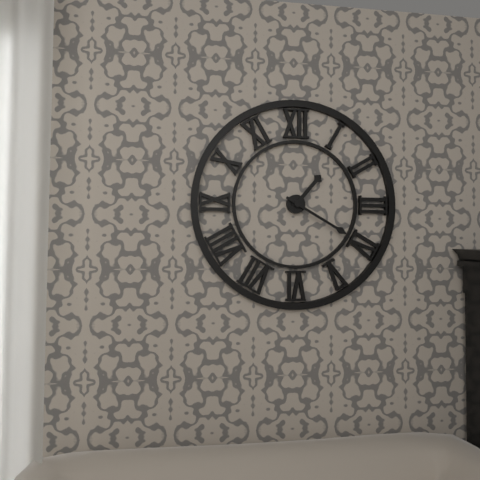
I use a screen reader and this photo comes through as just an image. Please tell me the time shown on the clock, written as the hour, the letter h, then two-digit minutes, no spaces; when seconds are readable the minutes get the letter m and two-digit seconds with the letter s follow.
1h20
